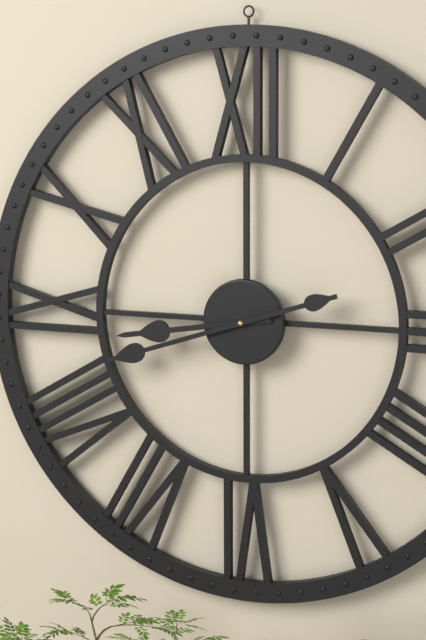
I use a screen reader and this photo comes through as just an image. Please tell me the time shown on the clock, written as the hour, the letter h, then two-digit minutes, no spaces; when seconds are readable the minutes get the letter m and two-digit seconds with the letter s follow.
8h42
